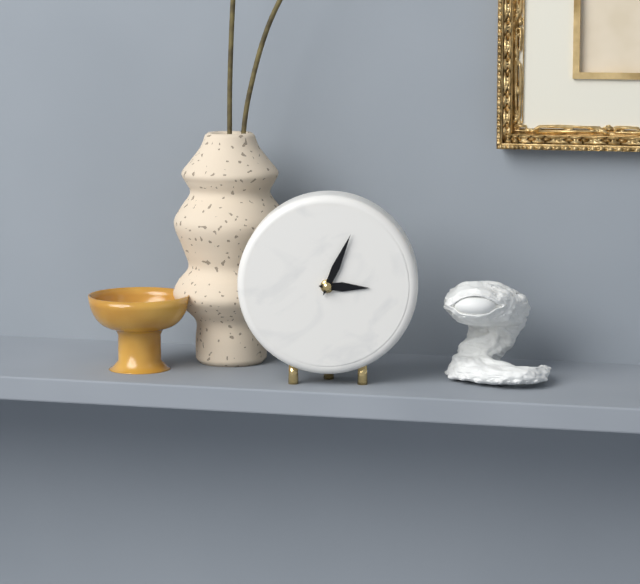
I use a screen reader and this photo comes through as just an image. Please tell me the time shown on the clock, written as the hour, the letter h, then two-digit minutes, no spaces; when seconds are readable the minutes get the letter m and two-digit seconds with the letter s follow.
3h04
